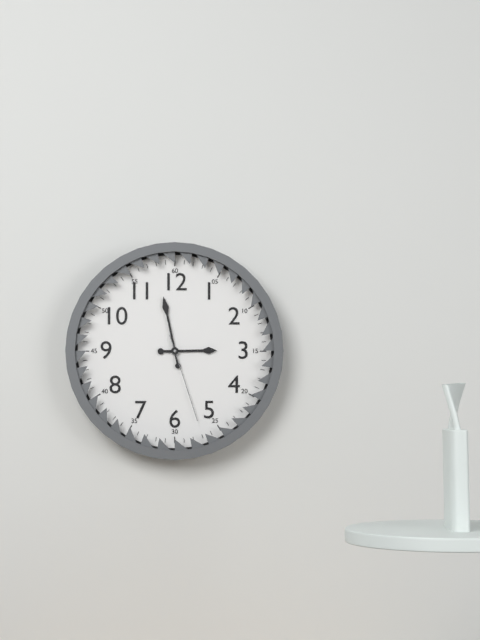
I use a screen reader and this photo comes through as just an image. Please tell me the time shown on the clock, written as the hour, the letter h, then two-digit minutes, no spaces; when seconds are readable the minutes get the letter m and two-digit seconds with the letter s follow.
2h58m27s
